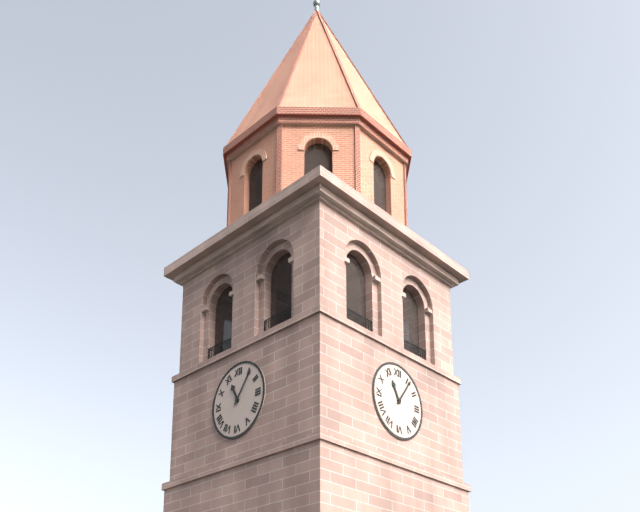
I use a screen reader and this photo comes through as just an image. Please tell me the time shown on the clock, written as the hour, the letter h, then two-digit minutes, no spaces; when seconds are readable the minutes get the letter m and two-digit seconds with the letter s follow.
11h06
